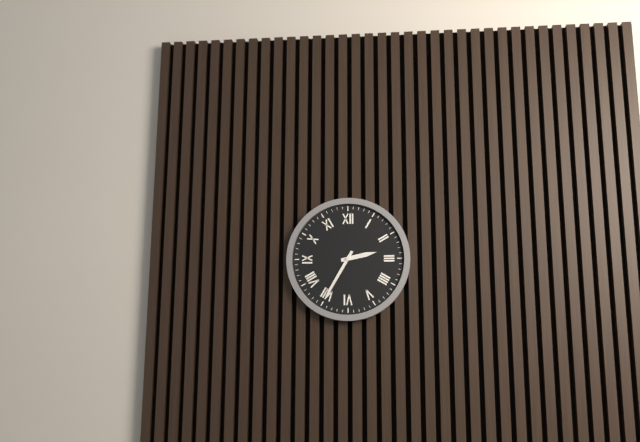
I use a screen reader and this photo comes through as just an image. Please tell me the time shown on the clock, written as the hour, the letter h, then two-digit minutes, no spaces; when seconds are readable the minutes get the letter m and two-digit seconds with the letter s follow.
2h35
